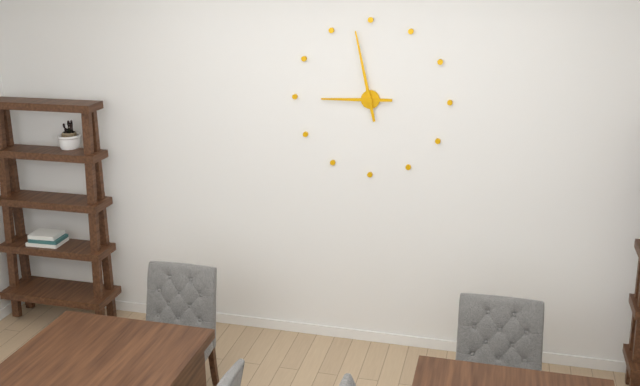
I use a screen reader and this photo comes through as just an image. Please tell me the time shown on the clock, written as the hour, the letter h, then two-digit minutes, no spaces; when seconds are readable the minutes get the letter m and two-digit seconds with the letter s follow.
8h58
